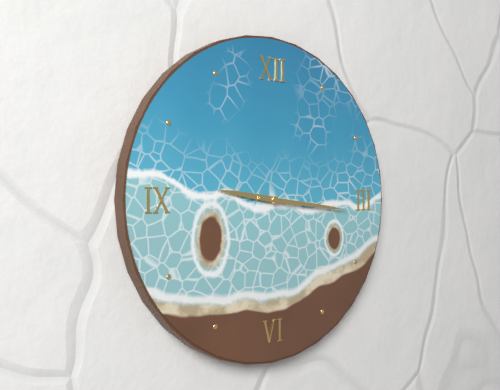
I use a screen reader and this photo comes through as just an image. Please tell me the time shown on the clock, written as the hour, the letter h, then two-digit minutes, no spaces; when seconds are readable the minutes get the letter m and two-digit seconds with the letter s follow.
9h16
